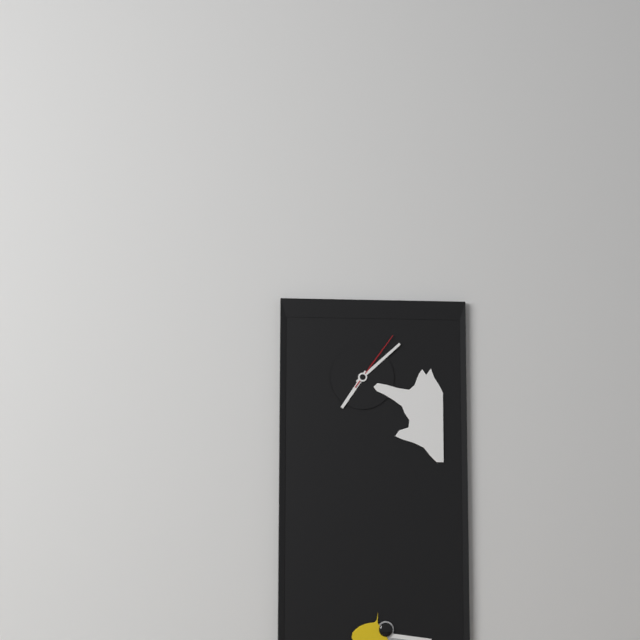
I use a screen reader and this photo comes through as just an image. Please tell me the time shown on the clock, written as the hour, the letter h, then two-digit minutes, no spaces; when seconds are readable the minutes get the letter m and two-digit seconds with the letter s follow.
7h08m06s
